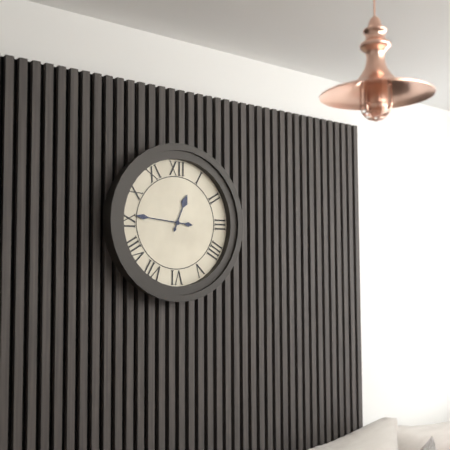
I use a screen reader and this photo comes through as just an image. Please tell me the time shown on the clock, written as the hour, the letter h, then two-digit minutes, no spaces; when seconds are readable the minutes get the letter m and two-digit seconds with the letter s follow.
12h46
